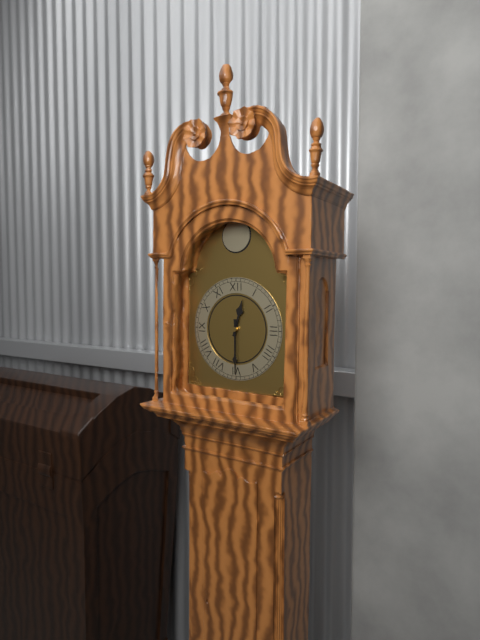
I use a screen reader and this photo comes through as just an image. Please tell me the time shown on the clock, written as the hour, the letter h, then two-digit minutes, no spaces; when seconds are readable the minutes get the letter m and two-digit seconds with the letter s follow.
12h30
